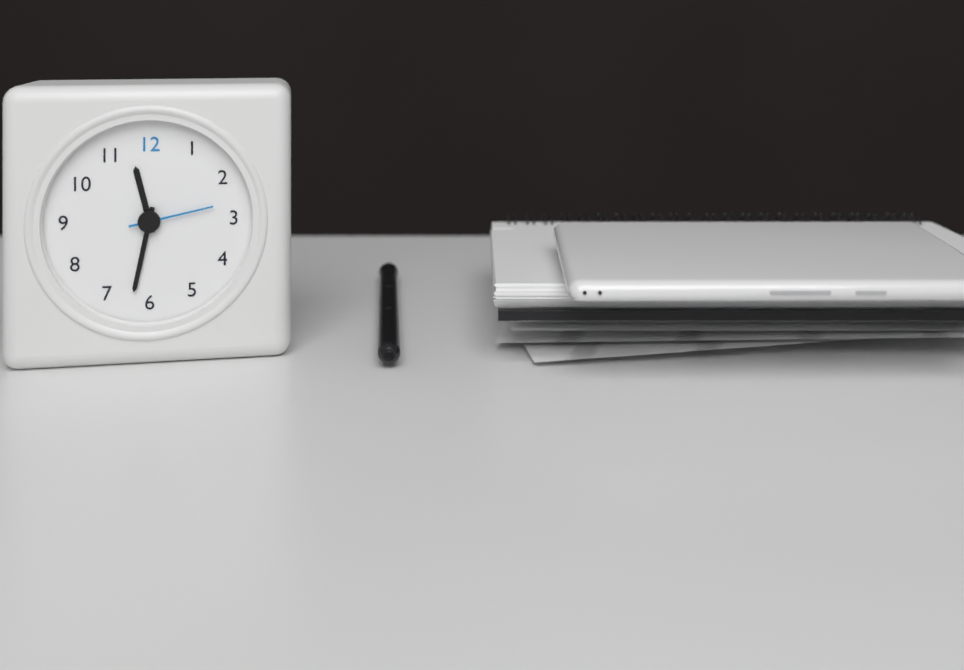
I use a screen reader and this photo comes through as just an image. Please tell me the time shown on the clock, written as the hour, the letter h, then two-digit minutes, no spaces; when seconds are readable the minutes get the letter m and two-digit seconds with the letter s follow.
11h32m13s
